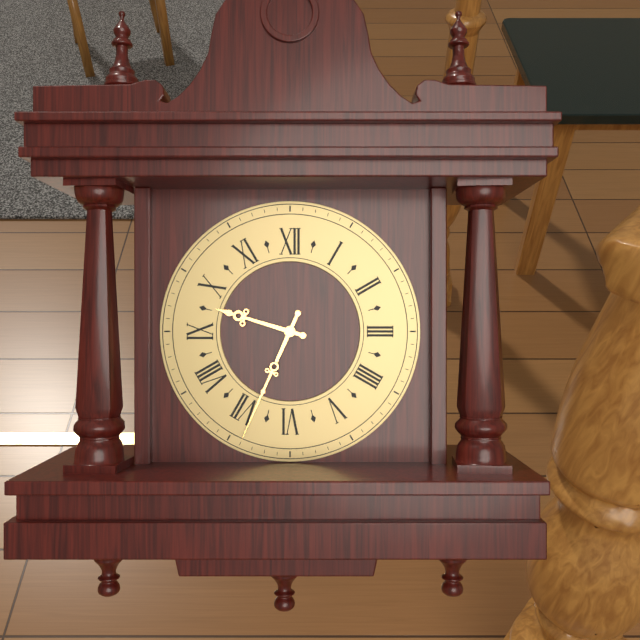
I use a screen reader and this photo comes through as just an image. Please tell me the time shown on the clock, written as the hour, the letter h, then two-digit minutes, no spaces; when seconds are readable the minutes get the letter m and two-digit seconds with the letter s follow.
9h34
